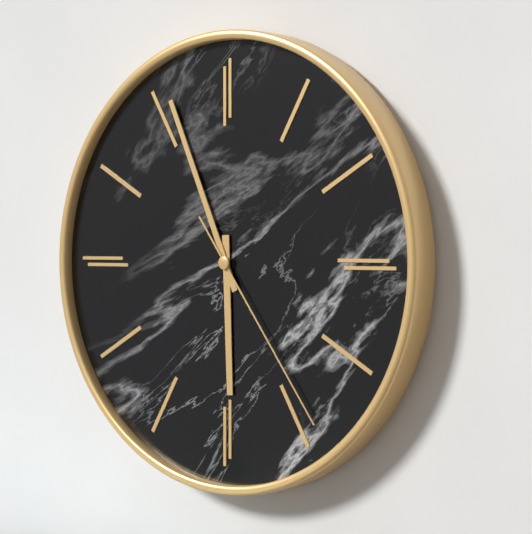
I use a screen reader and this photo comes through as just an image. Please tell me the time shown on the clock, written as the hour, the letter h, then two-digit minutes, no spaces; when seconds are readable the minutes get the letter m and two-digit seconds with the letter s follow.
5h56m24s
